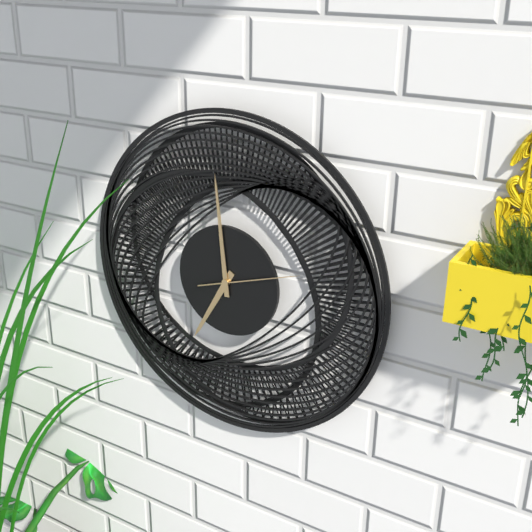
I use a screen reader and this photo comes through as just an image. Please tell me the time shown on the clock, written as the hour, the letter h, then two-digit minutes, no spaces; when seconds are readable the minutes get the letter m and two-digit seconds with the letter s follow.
6h59m12s
